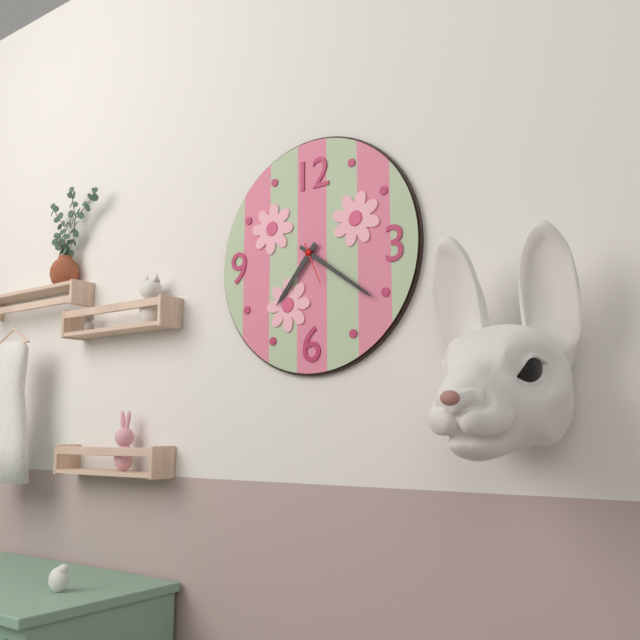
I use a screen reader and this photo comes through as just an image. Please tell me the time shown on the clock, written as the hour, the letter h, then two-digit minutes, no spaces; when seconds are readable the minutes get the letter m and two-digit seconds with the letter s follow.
7h21
